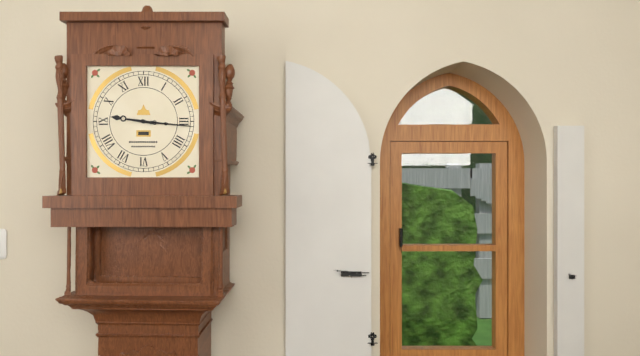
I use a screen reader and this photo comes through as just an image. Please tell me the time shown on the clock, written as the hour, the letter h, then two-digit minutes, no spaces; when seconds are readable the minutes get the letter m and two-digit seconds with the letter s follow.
9h16
